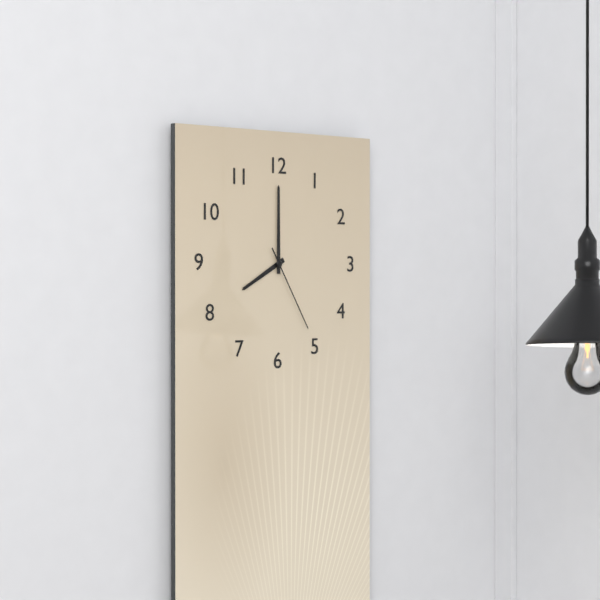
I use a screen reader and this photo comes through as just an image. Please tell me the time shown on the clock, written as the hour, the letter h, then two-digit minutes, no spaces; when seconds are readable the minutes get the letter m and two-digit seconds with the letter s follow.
8h00m25s
